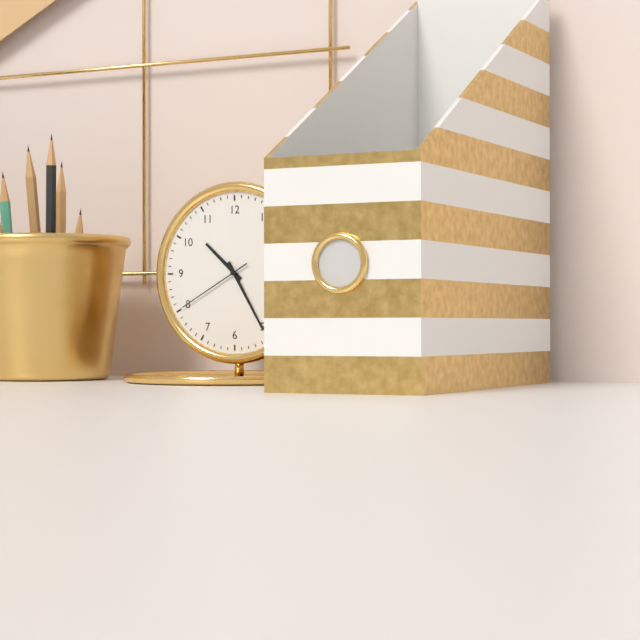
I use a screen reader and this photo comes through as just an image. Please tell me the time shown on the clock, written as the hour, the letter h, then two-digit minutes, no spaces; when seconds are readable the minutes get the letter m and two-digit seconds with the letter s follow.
10h25m40s
